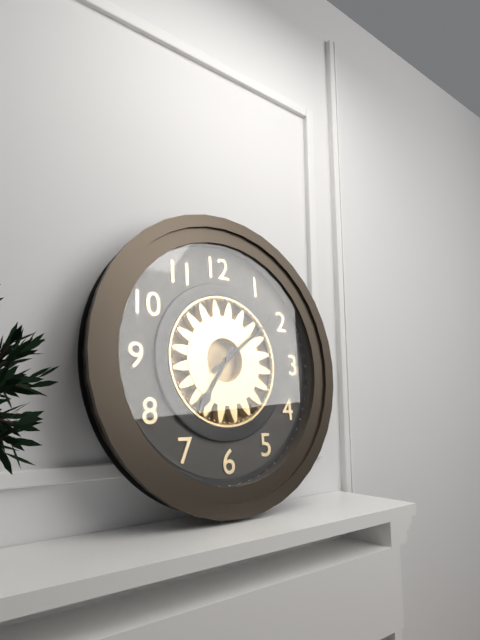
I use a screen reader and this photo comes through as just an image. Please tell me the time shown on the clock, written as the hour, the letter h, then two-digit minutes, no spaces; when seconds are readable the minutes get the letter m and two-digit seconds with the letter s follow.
7h09
